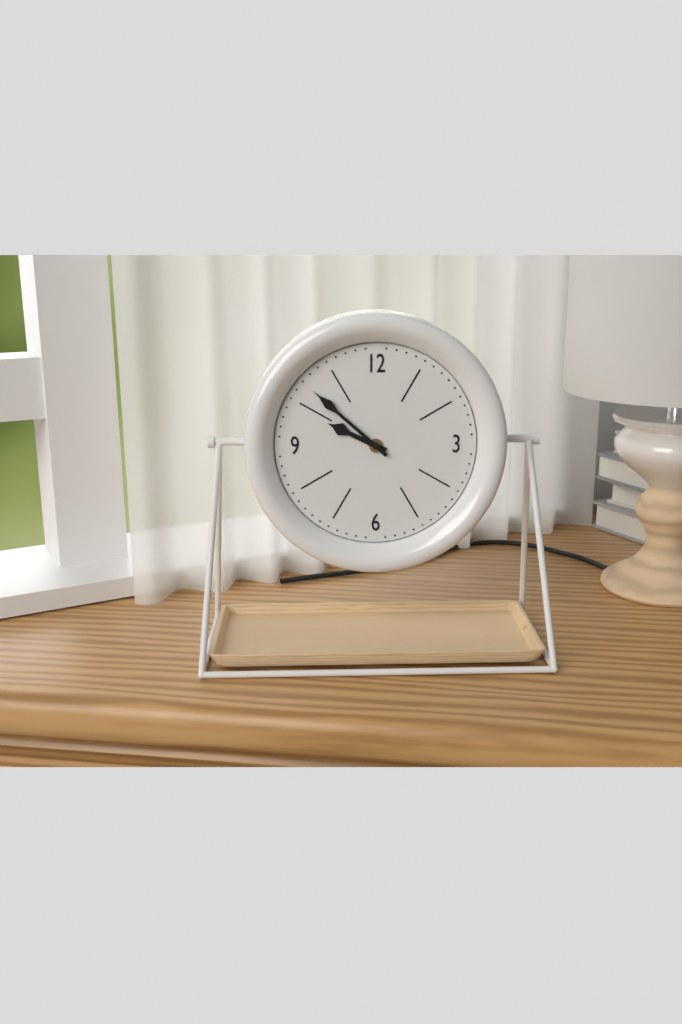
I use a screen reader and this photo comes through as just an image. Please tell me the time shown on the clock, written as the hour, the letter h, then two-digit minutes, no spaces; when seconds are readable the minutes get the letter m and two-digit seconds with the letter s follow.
9h52
